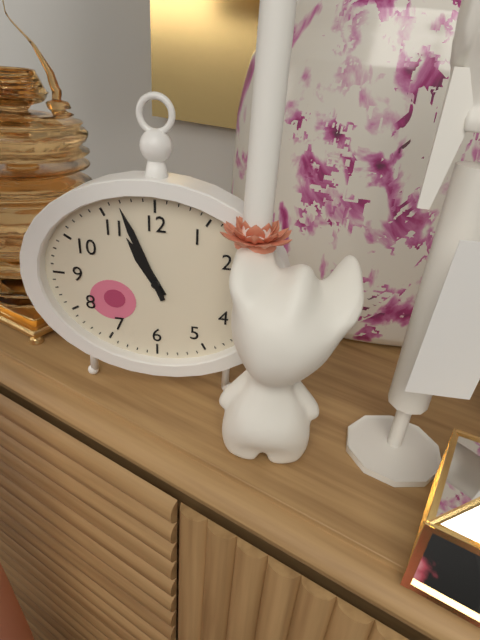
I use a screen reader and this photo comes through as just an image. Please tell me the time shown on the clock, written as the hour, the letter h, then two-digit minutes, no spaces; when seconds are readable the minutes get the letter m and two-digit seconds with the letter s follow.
10h56
